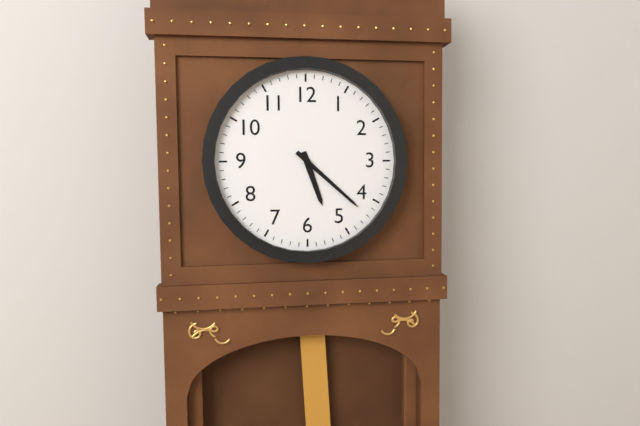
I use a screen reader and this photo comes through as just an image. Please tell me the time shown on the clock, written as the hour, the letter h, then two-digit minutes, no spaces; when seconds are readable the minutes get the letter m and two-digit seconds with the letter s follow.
5h22
